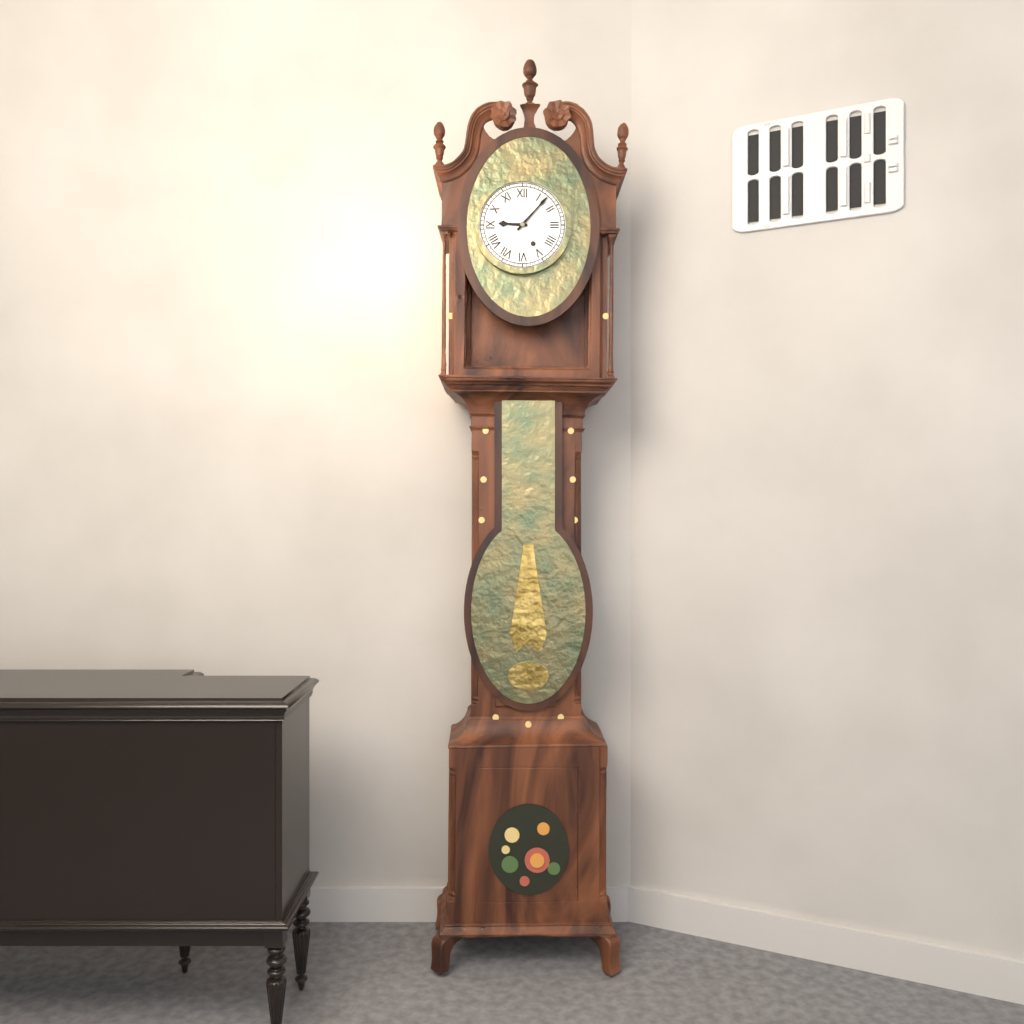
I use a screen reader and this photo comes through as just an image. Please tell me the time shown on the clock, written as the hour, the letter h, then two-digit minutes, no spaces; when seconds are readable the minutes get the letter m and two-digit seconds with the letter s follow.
9h07
